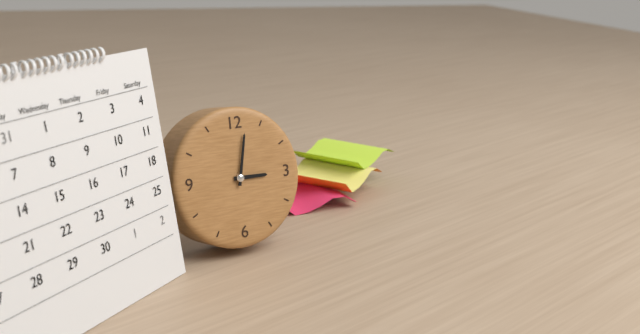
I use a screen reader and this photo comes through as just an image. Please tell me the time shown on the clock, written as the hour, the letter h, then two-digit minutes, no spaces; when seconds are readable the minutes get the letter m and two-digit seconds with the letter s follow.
3h02
